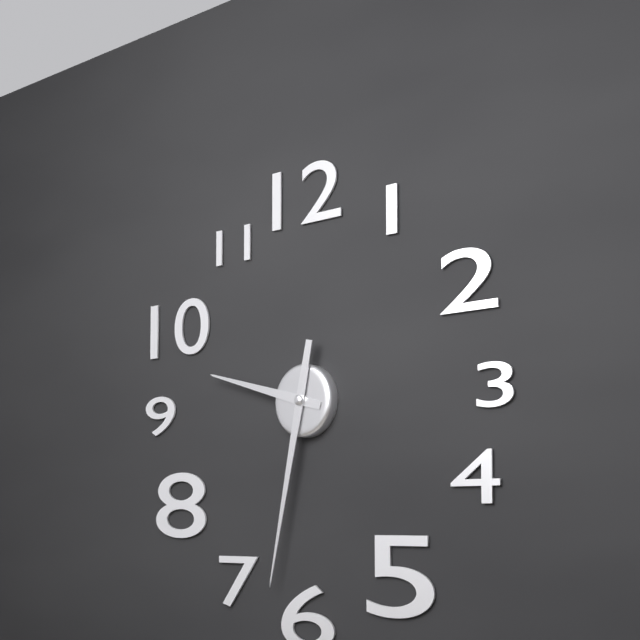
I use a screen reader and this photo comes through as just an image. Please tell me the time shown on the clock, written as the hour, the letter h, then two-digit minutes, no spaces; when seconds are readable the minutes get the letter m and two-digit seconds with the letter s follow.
9h32
